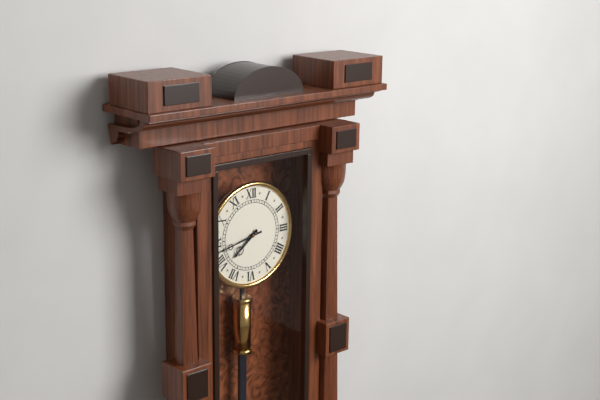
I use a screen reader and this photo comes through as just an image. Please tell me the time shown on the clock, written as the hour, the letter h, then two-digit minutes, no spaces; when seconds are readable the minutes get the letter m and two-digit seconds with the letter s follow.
7h43
